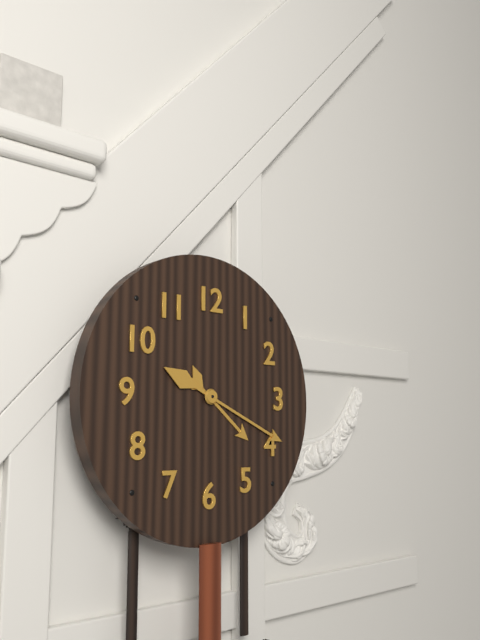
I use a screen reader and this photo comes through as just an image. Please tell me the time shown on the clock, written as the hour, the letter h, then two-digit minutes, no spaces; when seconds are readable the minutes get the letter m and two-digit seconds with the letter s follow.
4h19
